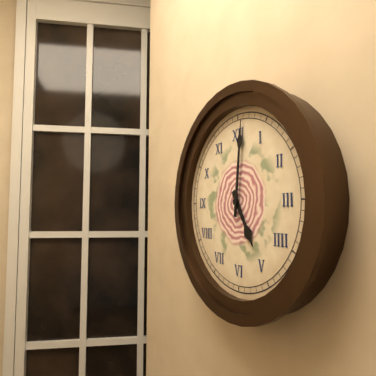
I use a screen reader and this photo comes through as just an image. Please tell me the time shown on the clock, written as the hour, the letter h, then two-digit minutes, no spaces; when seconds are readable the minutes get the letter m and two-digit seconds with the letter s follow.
5h01
